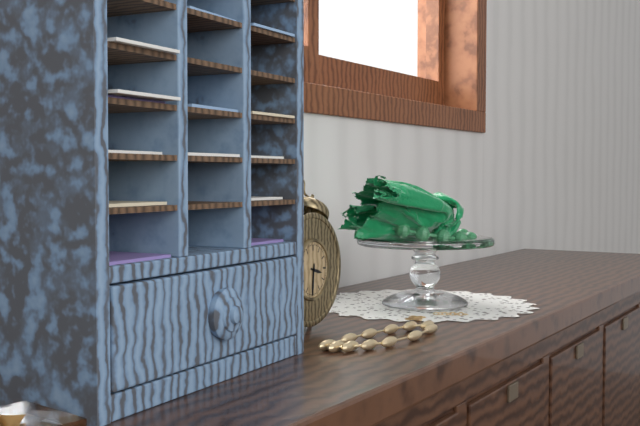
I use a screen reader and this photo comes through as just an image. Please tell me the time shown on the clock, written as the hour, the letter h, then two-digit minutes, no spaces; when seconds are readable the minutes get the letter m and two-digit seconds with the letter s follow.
3h31
